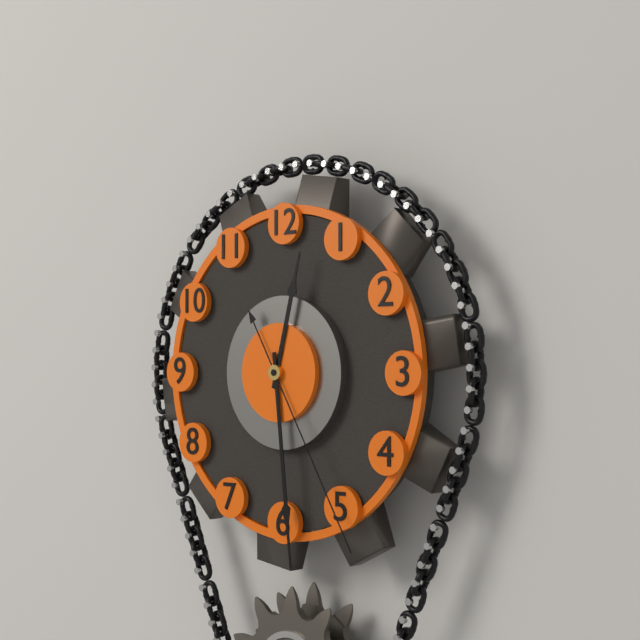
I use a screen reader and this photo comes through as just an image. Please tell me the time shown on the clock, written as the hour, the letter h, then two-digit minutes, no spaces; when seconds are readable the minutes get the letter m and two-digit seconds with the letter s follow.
12h29m25s
